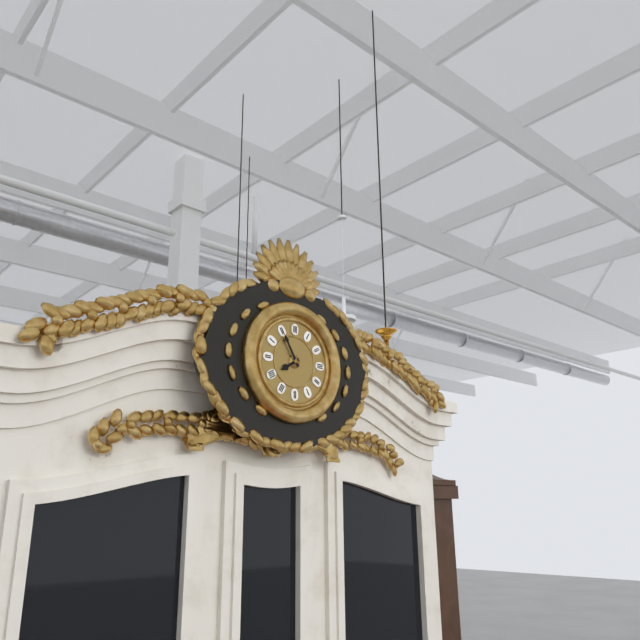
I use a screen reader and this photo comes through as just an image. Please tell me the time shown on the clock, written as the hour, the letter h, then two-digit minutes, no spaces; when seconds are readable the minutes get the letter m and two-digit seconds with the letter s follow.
7h55
